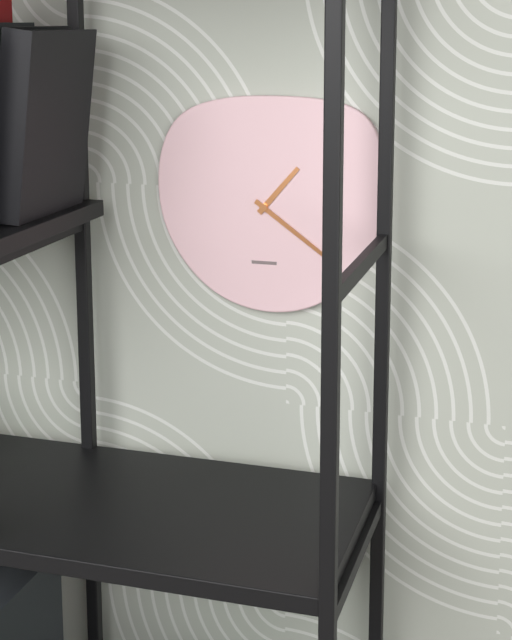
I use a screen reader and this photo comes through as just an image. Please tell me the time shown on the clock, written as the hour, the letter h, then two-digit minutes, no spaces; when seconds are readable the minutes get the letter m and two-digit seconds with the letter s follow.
1h21
